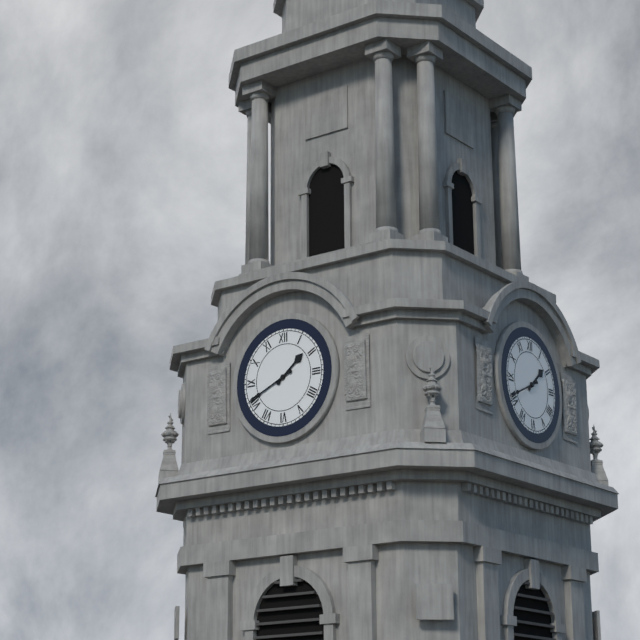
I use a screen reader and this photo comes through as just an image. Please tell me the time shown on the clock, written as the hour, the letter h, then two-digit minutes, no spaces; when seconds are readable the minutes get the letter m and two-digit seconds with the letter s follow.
1h41
